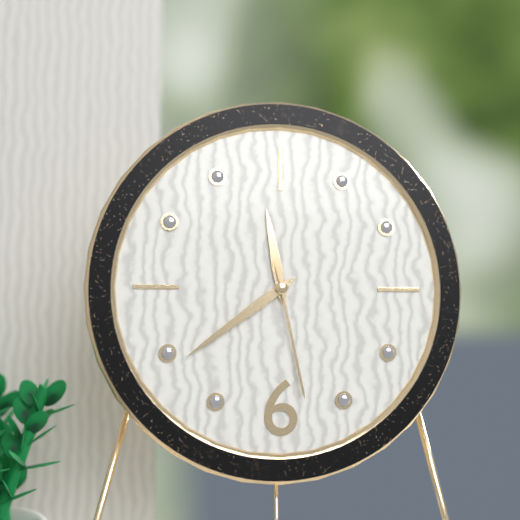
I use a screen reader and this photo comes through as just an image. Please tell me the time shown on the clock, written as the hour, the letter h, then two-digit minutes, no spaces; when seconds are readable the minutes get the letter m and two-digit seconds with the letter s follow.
11h39m28s
